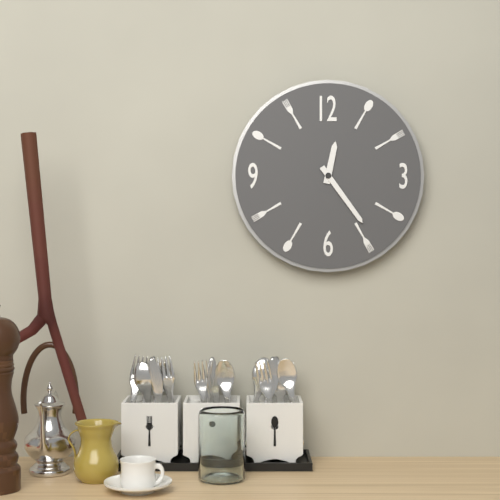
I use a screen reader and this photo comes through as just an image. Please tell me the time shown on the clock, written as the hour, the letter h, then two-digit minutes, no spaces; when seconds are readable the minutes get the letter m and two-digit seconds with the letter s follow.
12h24
